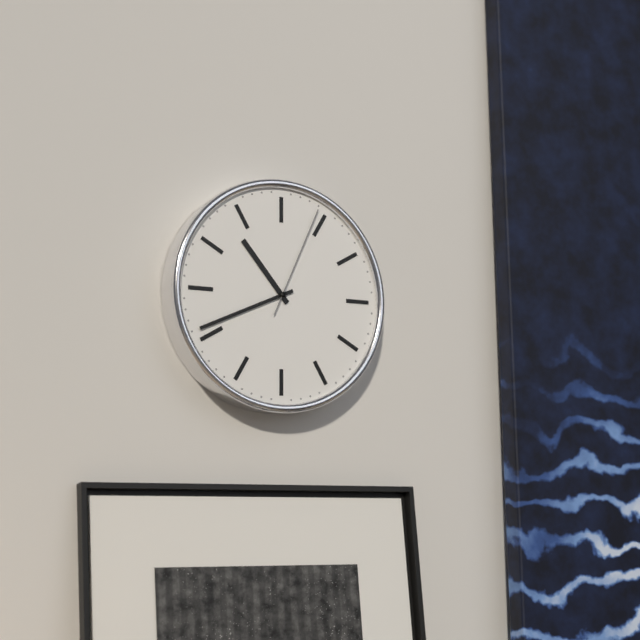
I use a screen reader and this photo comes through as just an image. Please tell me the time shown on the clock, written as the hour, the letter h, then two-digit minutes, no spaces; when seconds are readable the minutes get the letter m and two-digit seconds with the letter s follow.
10h41m04s
